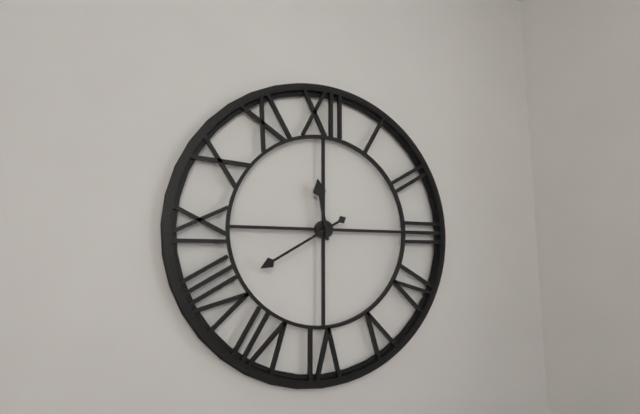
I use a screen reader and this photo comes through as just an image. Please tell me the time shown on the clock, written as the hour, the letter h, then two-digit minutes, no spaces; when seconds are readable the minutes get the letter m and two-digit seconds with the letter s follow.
11h40
